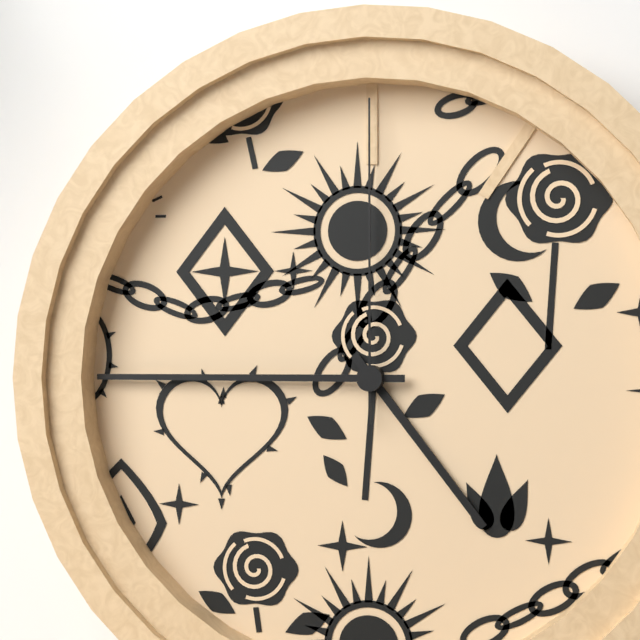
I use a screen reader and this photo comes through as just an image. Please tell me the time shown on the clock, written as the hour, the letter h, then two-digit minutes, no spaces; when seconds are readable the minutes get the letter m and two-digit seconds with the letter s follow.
4h45m00s
